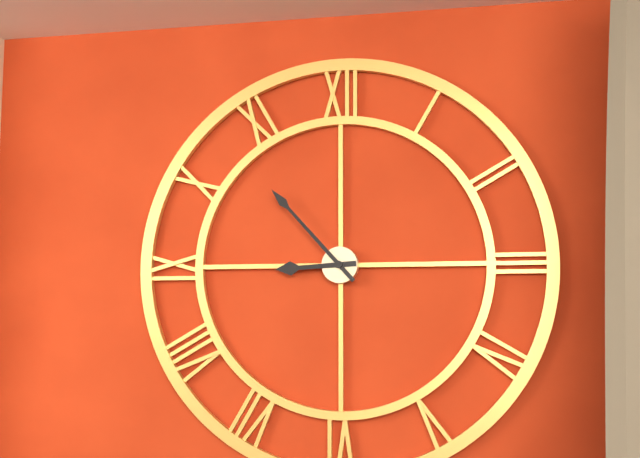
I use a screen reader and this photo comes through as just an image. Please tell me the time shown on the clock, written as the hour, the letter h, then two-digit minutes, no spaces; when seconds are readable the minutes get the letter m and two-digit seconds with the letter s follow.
8h53
